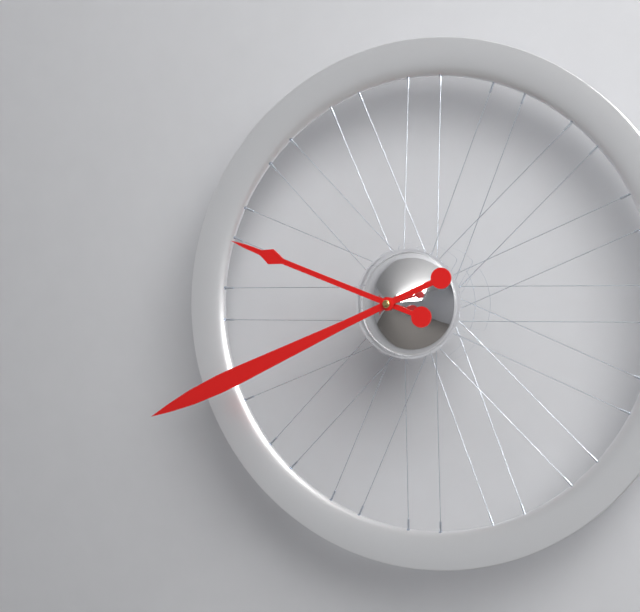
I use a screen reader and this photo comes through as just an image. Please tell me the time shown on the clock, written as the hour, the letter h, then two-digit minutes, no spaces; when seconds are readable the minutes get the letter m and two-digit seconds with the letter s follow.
9h41
